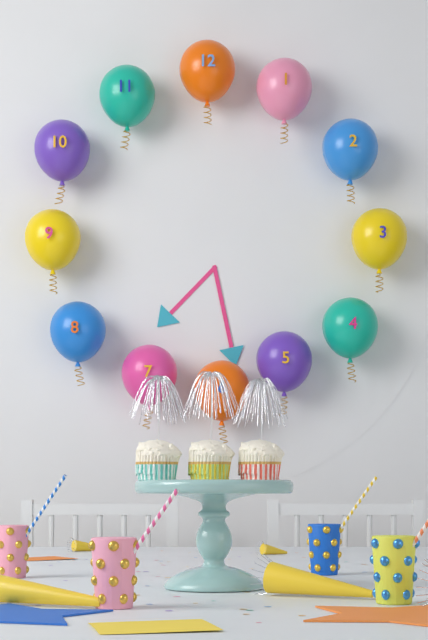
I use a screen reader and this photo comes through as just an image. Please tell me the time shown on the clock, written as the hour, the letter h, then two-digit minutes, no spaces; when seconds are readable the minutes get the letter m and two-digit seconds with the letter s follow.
7h28
